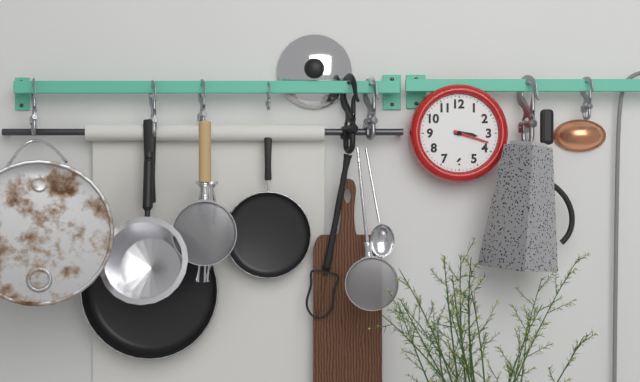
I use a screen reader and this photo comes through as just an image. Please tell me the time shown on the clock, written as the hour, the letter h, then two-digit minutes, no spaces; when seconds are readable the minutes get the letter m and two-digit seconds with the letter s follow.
3h18
